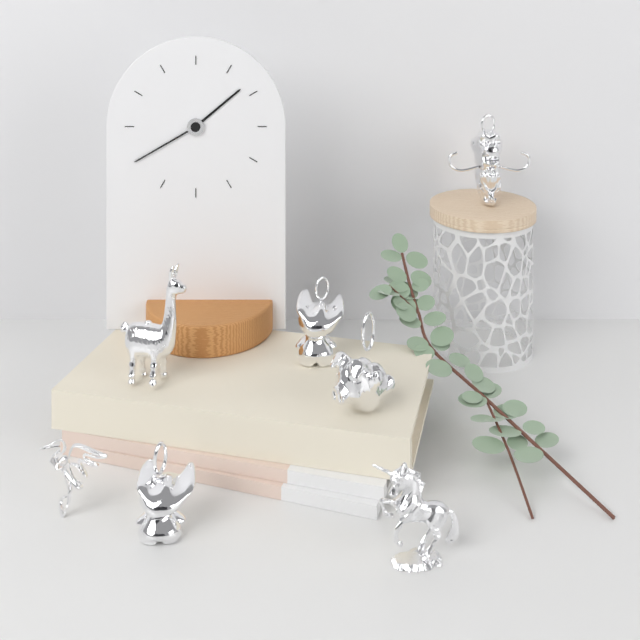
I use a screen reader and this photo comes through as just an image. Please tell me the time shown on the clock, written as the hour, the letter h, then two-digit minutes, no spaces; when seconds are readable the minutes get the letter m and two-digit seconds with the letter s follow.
1h40
